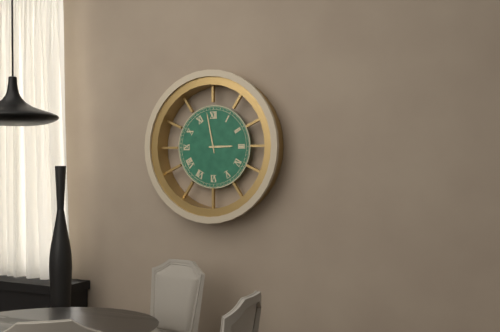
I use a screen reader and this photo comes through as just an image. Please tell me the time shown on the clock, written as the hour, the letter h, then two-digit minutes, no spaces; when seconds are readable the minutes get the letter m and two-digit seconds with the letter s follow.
2h58
